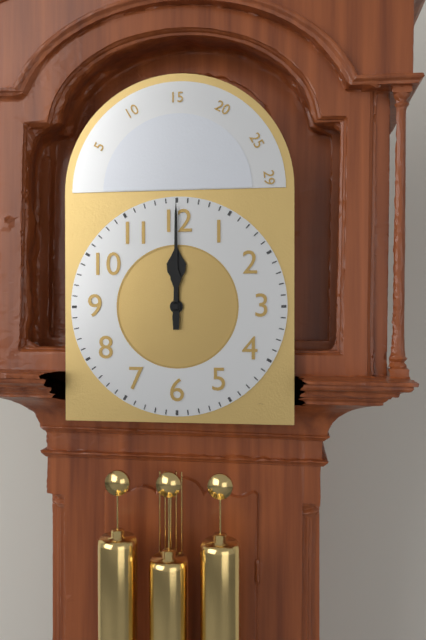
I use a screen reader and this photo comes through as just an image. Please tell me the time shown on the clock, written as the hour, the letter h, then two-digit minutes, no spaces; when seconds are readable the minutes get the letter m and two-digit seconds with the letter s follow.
12h00
